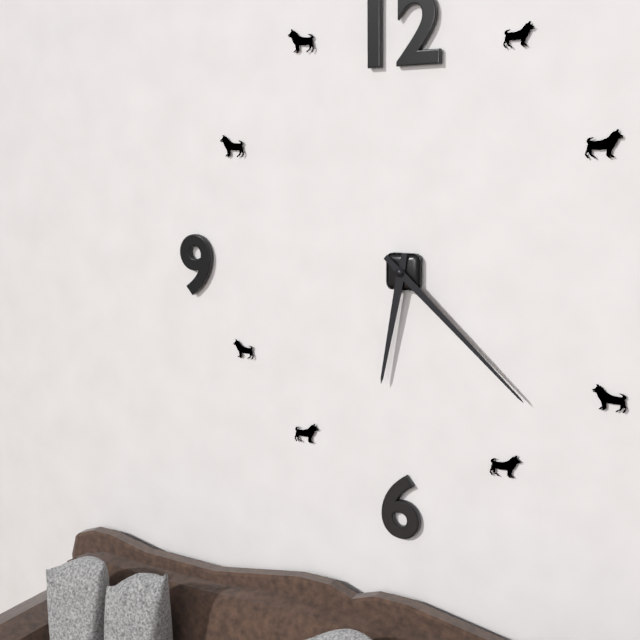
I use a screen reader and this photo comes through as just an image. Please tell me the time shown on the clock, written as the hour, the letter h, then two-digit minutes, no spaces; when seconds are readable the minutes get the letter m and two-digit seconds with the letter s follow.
6h22
